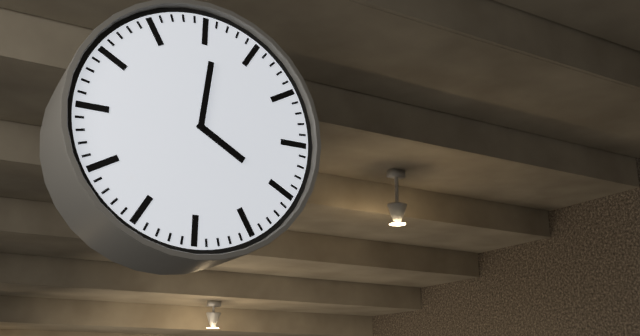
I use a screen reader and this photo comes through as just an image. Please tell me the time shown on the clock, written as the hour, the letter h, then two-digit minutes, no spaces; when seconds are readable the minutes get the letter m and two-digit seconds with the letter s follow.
4h01
